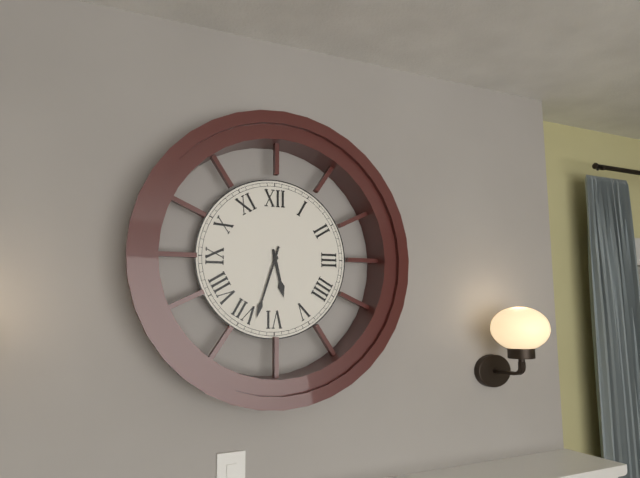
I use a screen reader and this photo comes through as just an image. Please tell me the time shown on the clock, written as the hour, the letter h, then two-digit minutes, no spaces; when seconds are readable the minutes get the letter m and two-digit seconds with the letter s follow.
5h33
